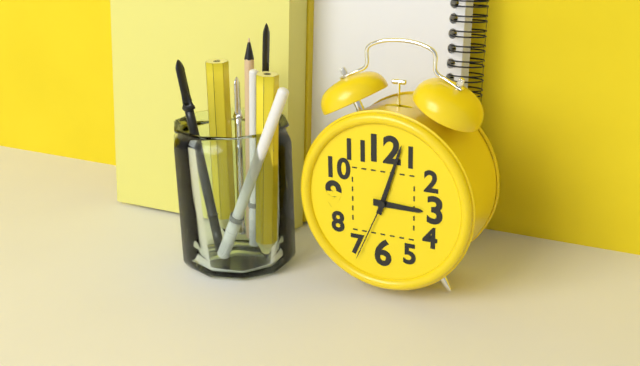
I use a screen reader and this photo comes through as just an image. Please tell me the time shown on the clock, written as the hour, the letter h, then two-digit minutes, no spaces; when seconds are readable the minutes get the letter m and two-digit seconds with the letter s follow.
3h03m34s
